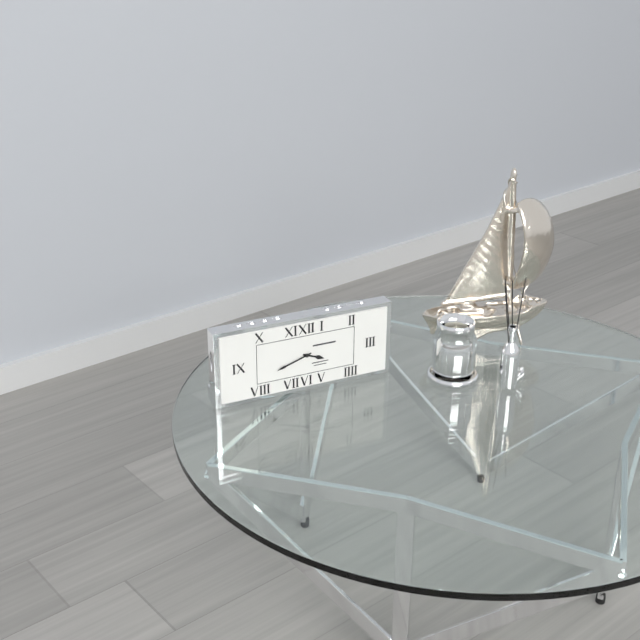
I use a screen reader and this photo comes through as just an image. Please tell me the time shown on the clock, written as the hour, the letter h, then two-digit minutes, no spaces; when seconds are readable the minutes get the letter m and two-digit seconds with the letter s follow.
3h42
